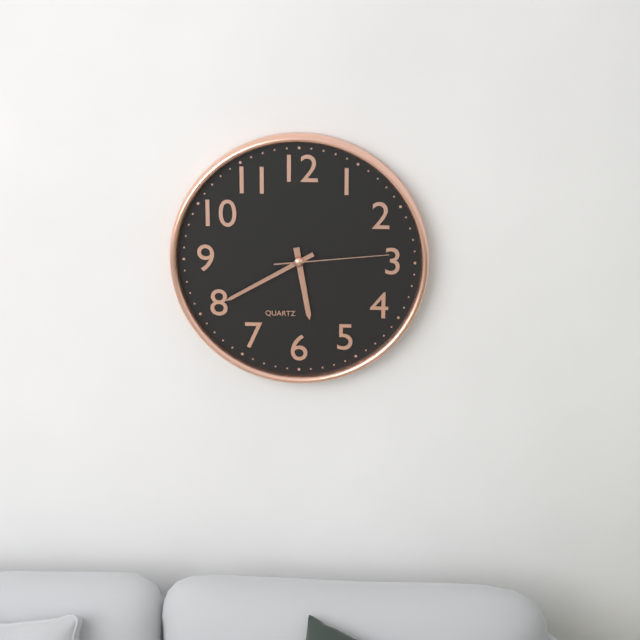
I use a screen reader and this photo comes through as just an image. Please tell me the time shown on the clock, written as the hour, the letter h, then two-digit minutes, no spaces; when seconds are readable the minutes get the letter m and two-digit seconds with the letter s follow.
5h40m14s
